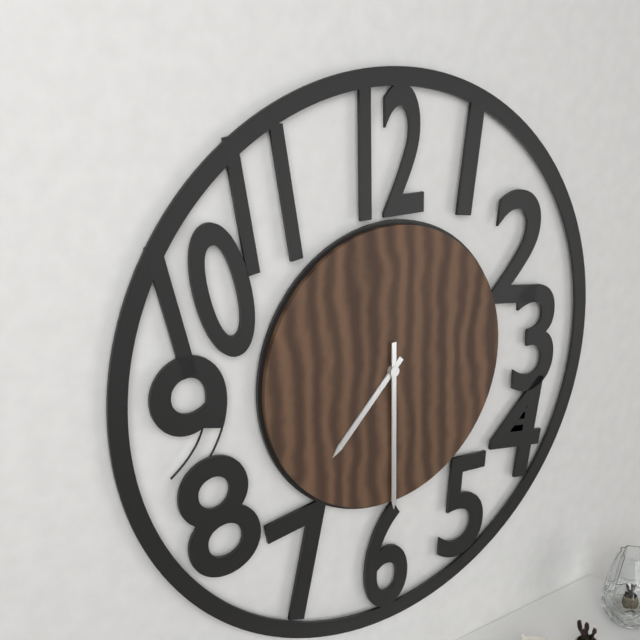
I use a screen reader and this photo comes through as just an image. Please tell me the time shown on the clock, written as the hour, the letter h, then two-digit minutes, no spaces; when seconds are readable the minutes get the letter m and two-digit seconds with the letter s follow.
7h30
